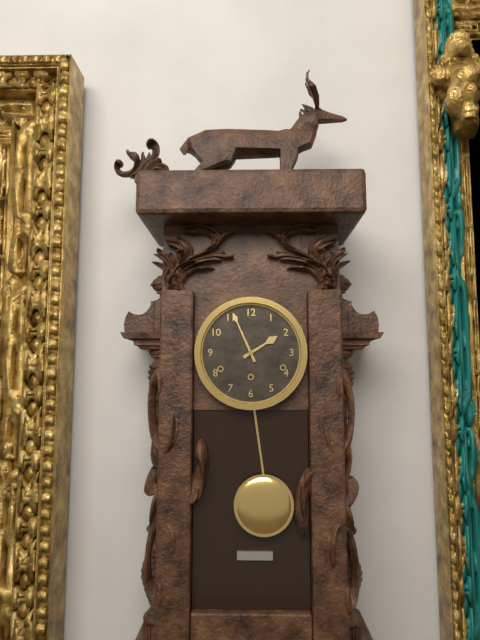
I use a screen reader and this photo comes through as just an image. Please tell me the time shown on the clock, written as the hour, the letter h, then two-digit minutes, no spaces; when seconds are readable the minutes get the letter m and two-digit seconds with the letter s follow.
1h56
